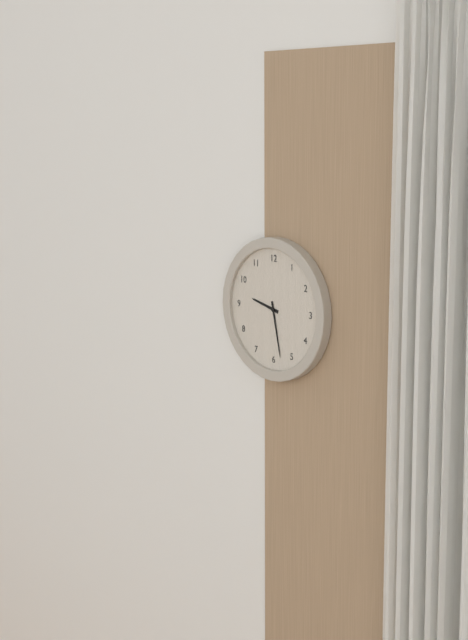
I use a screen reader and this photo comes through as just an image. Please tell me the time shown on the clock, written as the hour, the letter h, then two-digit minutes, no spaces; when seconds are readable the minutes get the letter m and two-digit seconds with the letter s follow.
9h28
